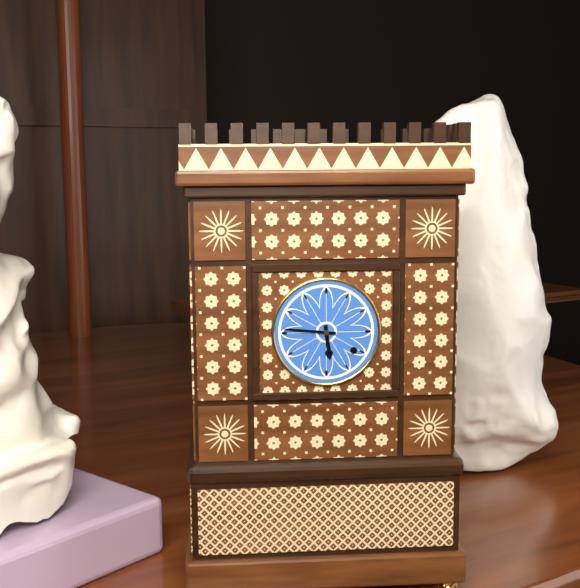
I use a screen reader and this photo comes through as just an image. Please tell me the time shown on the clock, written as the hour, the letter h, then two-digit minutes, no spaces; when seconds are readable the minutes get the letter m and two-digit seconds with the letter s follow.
5h46
